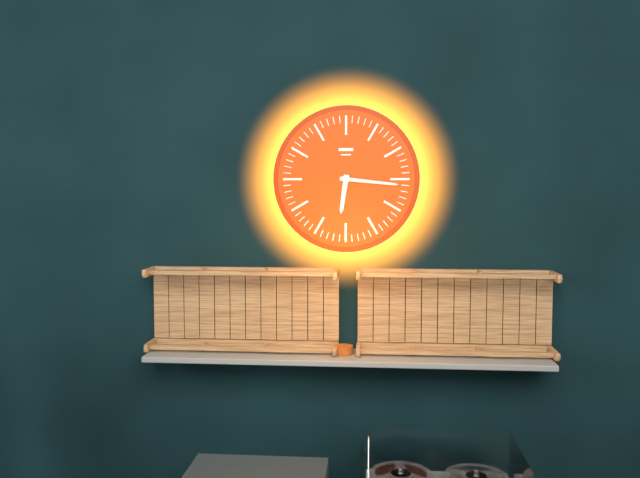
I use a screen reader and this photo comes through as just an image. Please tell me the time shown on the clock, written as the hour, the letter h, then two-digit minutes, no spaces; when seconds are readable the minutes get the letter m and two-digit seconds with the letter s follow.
6h16
